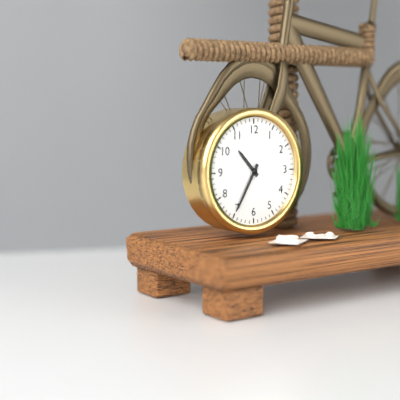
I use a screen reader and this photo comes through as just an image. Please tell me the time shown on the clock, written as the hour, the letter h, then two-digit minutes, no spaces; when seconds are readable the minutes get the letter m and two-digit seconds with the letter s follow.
10h35
